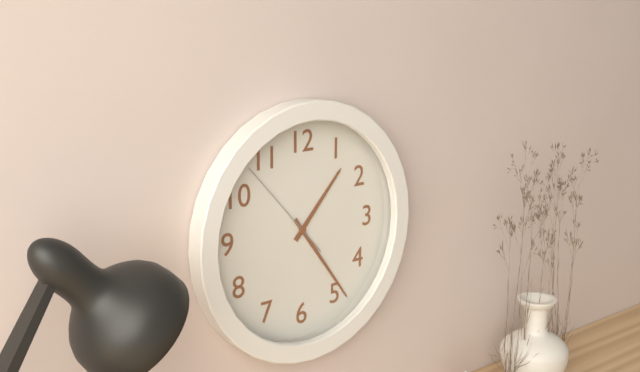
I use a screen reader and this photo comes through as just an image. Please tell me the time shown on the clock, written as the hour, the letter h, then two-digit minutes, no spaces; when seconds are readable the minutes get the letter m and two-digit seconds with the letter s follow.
1h24m53s
